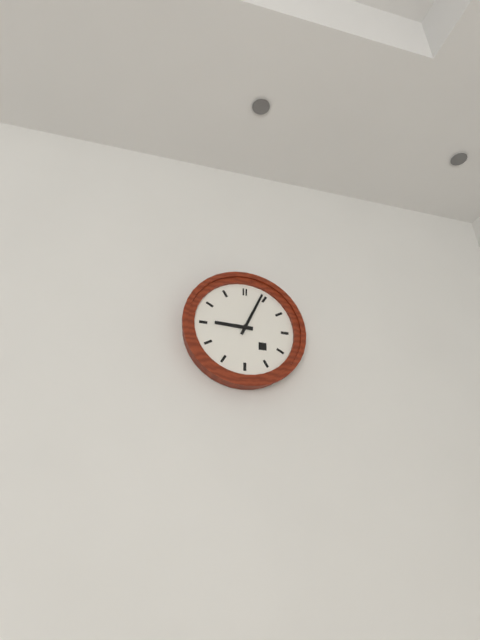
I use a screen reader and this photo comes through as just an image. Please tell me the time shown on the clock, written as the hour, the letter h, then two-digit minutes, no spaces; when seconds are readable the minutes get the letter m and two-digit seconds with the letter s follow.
9h04
